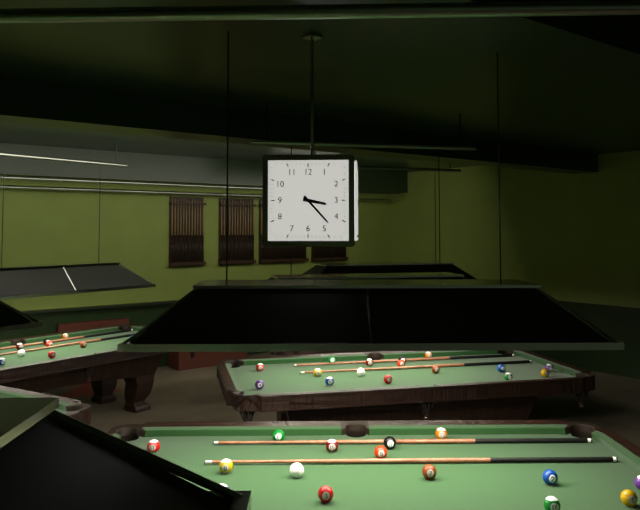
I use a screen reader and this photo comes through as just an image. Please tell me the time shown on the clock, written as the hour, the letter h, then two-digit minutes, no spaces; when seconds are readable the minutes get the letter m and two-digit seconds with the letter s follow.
3h23
